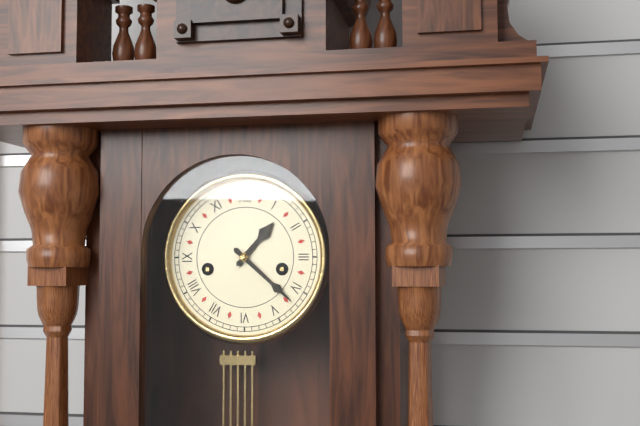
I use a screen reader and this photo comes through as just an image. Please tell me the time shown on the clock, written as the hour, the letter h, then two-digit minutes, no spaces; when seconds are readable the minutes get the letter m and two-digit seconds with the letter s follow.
1h22
